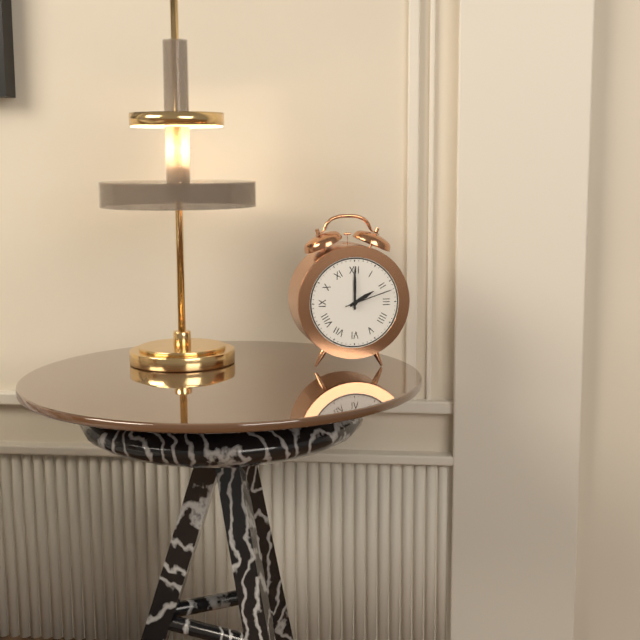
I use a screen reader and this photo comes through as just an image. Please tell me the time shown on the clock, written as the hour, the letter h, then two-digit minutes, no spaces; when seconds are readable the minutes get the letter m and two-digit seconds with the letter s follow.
2h00
